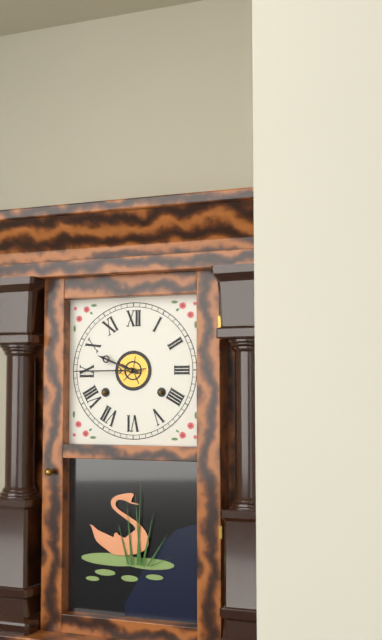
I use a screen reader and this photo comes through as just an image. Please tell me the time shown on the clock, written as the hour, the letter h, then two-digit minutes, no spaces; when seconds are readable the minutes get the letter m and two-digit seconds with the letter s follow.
9h45
